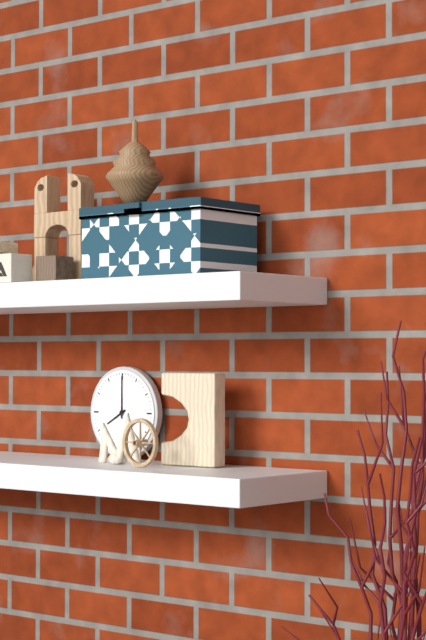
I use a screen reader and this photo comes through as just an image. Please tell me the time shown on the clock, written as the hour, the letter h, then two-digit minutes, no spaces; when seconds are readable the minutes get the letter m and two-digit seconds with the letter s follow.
8h00
